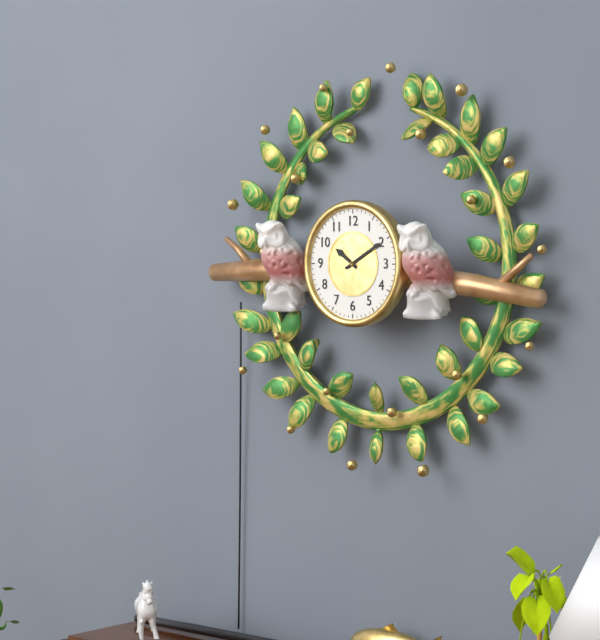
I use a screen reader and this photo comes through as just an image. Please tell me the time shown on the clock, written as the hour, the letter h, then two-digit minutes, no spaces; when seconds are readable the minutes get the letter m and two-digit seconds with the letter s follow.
10h10
